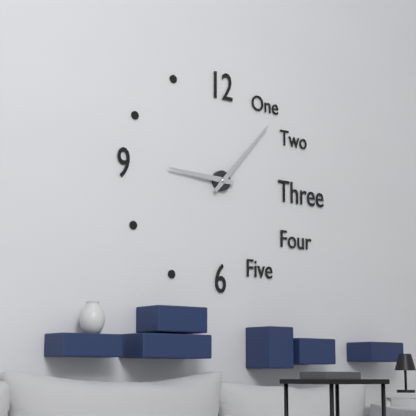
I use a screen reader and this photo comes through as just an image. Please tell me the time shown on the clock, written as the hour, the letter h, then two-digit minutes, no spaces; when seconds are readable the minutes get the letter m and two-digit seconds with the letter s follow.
9h07
